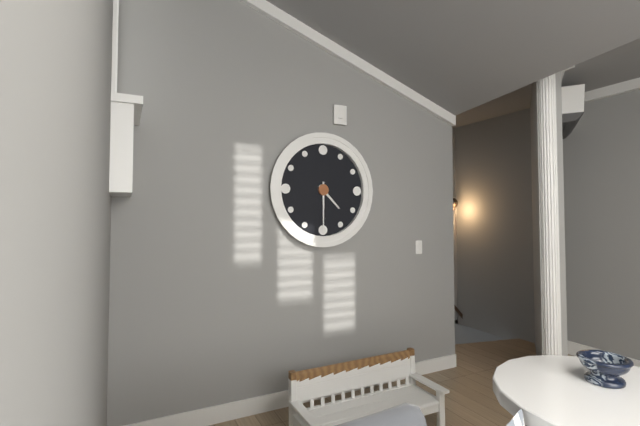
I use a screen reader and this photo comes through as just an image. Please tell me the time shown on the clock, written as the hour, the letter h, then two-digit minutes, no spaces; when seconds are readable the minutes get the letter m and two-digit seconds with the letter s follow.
4h30
